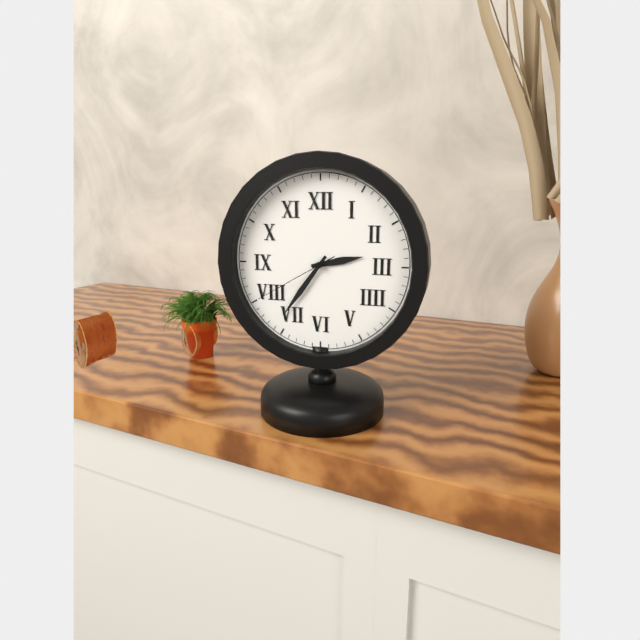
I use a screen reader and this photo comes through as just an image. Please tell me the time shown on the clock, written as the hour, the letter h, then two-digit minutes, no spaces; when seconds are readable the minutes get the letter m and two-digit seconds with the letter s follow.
2h36m40s
